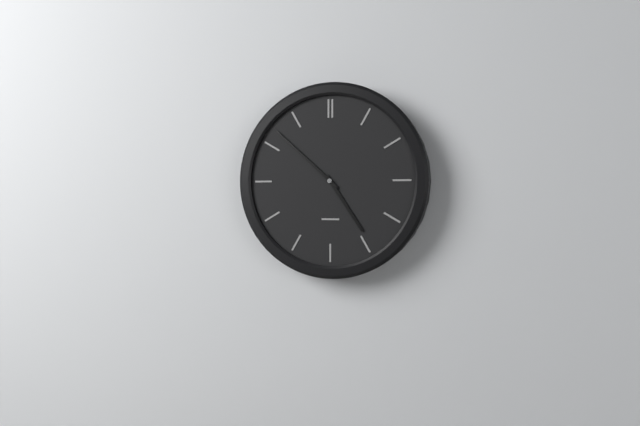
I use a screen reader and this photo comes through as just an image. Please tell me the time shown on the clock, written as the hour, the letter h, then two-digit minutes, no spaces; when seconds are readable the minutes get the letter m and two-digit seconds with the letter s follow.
4h52
